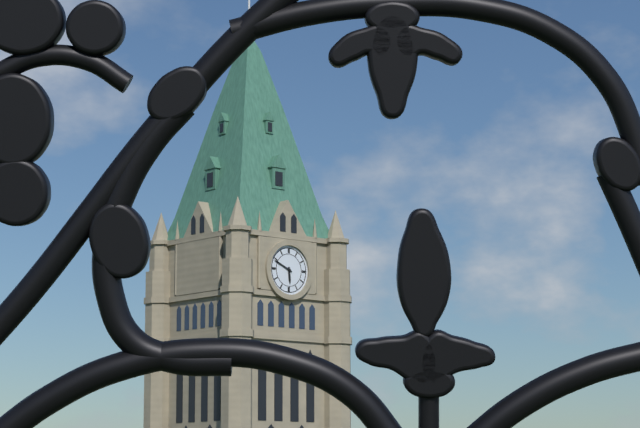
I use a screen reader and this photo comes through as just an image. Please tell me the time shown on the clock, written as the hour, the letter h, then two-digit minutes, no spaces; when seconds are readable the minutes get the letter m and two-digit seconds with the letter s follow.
5h49
